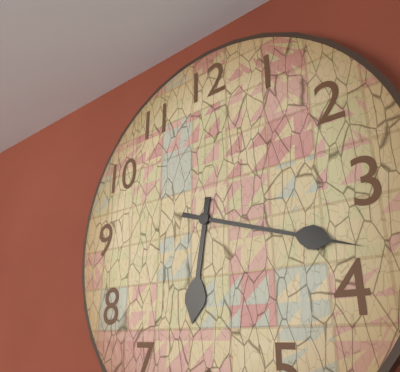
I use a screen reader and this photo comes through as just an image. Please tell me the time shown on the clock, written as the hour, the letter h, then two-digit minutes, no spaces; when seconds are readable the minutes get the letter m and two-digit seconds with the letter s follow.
6h18
